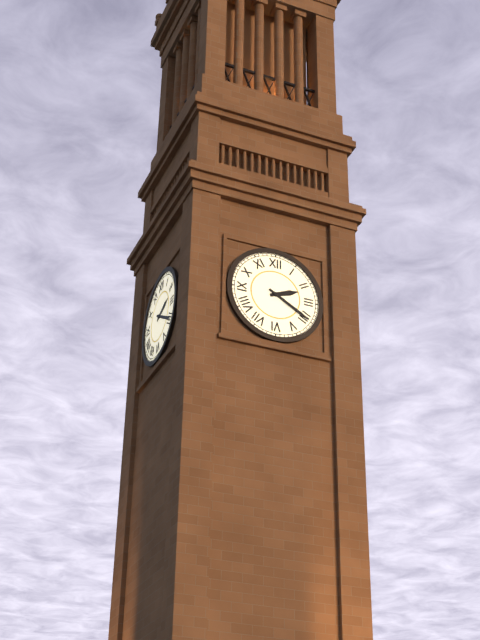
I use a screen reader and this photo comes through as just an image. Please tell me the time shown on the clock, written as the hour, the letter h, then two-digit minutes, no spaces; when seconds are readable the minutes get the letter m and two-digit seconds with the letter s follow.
2h20
